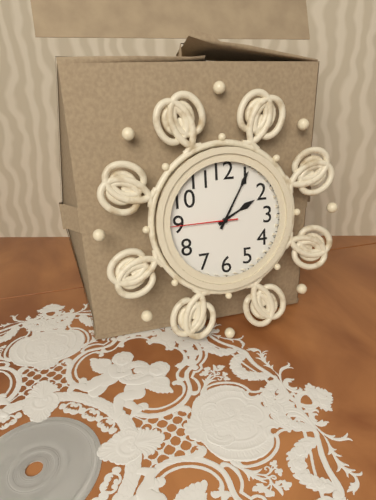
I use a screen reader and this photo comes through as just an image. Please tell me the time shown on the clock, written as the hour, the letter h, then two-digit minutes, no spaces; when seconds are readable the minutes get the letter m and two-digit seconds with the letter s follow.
2h05m45s
